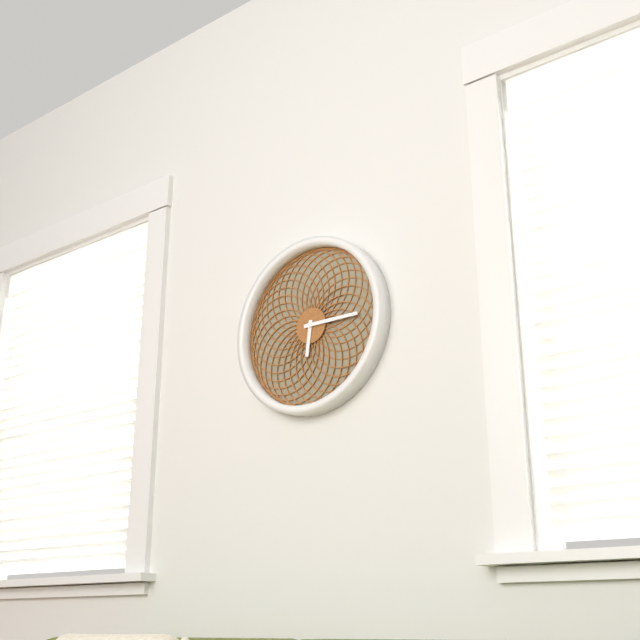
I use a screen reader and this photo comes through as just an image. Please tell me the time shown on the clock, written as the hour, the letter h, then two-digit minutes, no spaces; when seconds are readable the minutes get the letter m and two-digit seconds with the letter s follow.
6h15
